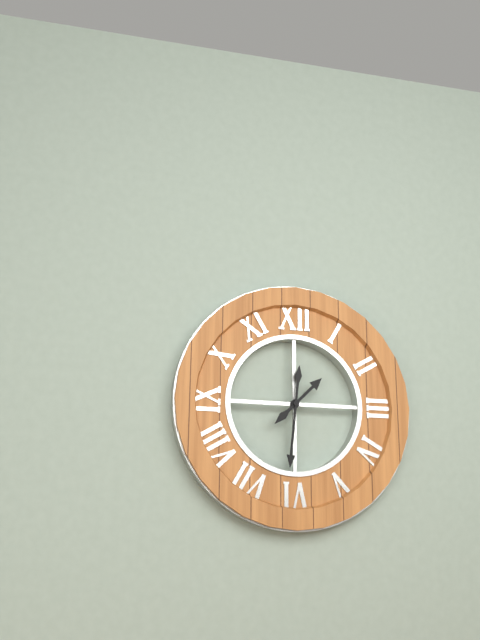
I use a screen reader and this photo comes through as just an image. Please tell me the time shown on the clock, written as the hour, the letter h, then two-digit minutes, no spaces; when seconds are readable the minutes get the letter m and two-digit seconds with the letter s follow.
1h31
